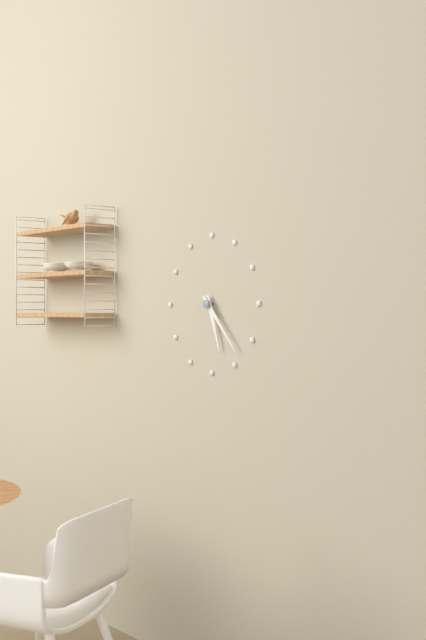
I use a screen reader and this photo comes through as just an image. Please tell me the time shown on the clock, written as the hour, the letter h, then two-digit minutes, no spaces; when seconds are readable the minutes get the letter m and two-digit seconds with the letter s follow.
5h23
